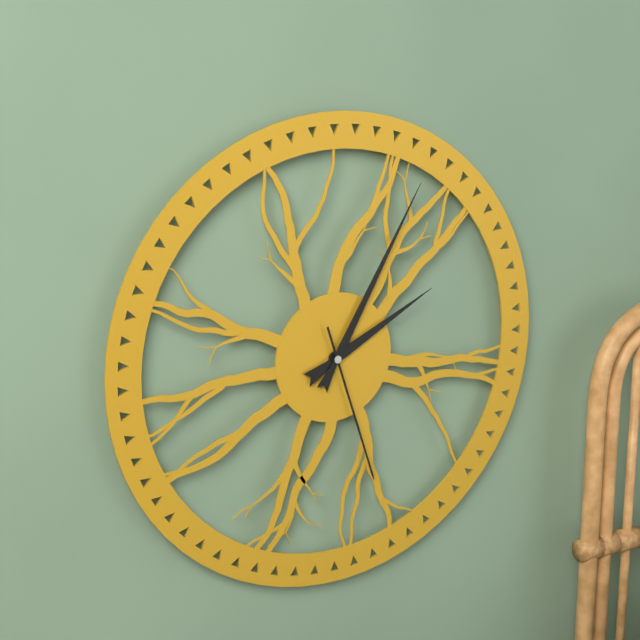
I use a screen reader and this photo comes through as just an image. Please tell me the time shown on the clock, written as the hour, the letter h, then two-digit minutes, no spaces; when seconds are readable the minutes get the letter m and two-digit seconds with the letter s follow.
2h05m27s
